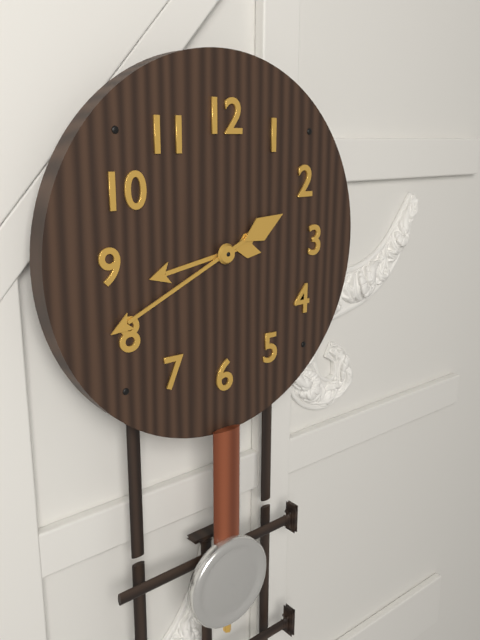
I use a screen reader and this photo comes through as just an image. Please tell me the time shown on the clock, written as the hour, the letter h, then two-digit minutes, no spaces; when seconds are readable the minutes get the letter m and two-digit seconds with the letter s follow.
8h41
